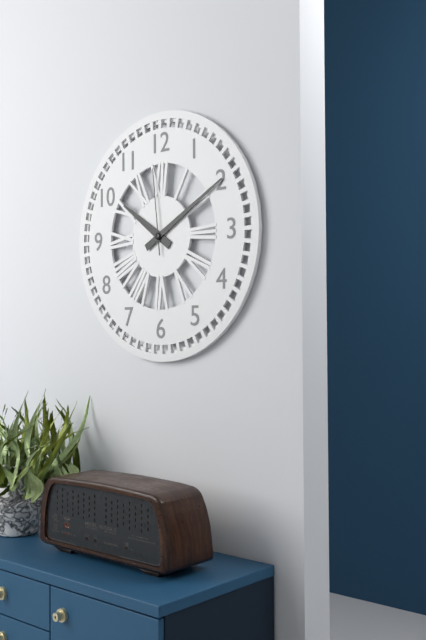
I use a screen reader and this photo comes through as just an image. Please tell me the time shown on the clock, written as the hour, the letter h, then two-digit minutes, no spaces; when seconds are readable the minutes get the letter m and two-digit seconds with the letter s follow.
10h10m59s
